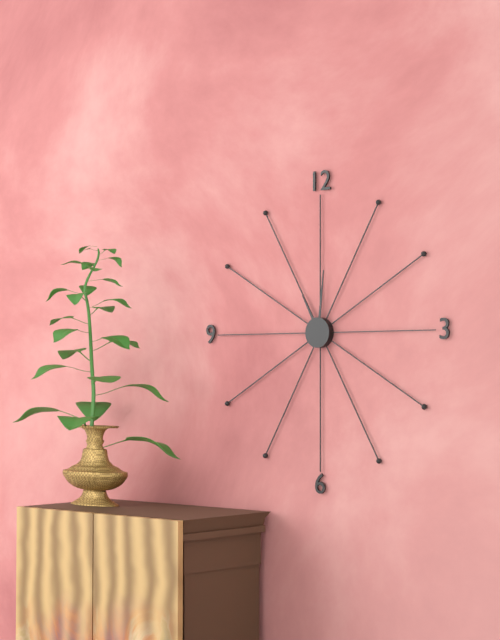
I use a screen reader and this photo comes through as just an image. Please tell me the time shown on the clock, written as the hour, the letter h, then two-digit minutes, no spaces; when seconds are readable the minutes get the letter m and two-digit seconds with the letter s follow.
11h01
